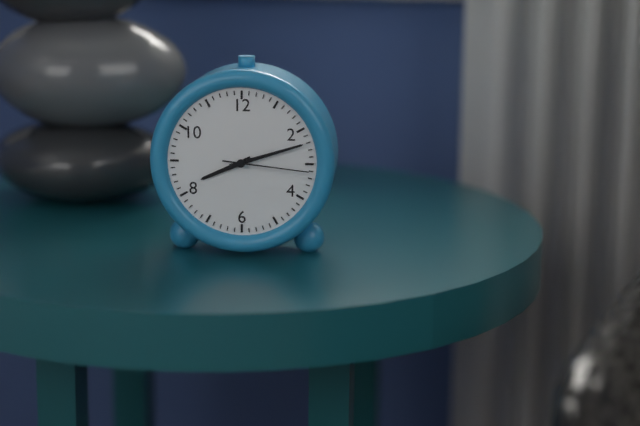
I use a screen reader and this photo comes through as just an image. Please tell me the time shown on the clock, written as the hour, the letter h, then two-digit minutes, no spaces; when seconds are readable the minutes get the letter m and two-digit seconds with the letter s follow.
8h12m16s
